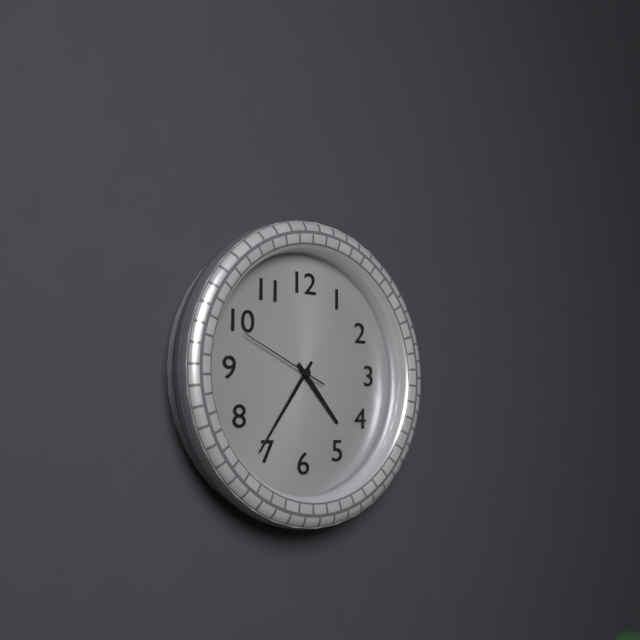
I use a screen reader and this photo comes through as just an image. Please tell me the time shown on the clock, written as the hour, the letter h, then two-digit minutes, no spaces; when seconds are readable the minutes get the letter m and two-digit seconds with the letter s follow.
4h36m49s
